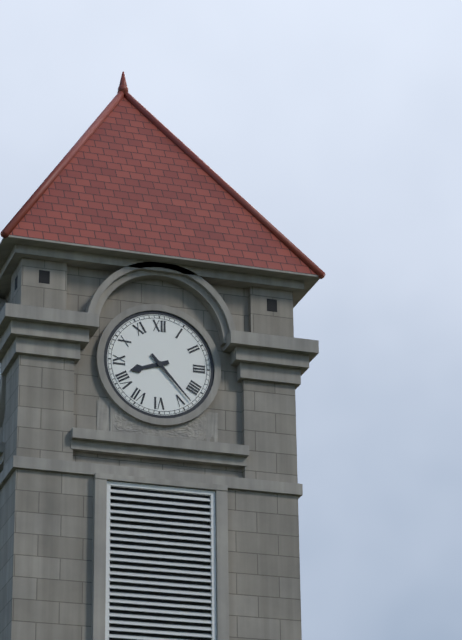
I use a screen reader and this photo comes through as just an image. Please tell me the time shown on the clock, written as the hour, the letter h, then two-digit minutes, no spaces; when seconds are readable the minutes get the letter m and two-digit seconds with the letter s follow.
8h23
